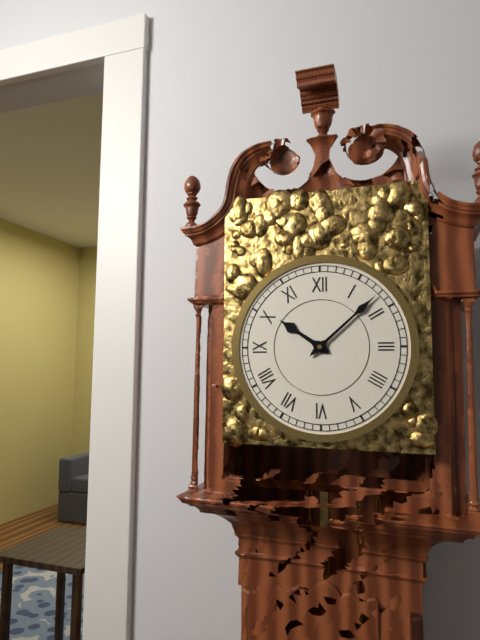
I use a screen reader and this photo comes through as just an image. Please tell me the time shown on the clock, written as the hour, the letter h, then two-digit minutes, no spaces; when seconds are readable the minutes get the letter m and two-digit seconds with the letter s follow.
10h08
